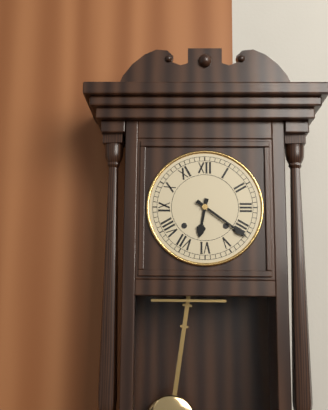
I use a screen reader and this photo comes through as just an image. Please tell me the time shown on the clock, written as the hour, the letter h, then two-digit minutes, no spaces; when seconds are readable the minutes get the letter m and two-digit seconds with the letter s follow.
6h21
